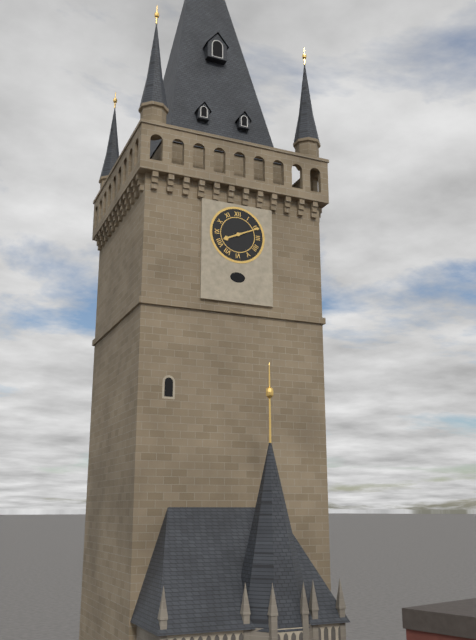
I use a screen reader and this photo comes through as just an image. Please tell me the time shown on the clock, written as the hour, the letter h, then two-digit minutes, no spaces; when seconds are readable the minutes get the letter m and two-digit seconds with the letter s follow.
8h11
